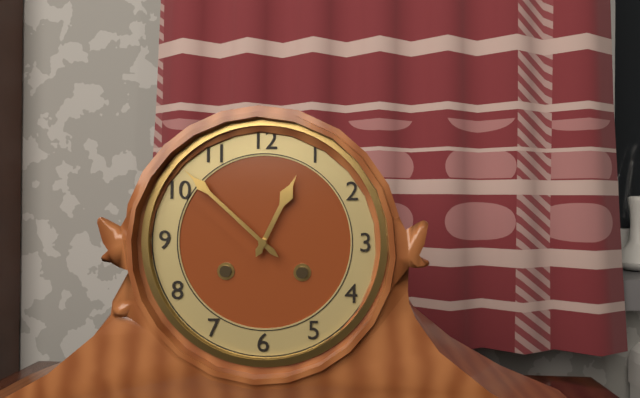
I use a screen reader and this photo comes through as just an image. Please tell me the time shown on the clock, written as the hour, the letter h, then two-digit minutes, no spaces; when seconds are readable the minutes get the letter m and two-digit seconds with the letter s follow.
12h52
